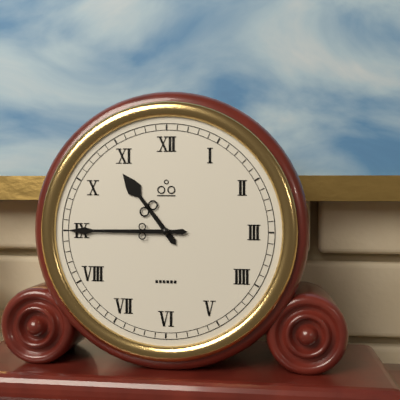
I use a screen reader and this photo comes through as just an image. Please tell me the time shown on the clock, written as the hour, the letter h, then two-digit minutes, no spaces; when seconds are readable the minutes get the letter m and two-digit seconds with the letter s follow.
10h45
